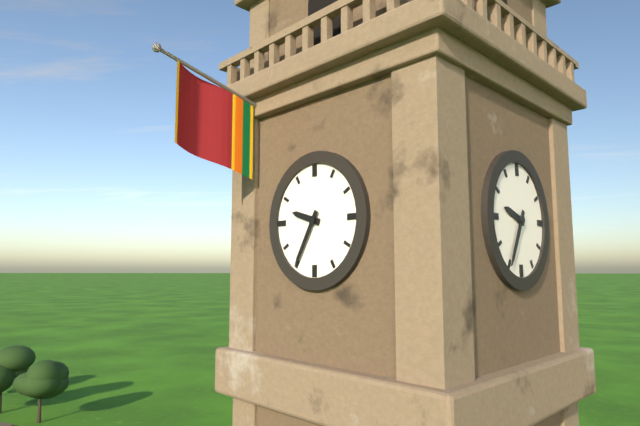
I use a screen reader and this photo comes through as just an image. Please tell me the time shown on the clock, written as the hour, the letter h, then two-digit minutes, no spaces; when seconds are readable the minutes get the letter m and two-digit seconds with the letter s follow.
9h35
